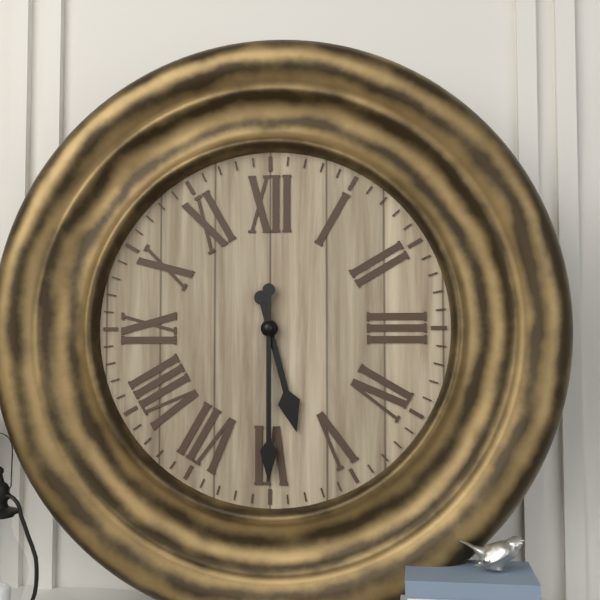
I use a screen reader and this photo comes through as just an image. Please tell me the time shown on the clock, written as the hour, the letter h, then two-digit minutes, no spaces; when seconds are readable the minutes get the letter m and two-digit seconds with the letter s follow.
5h30
